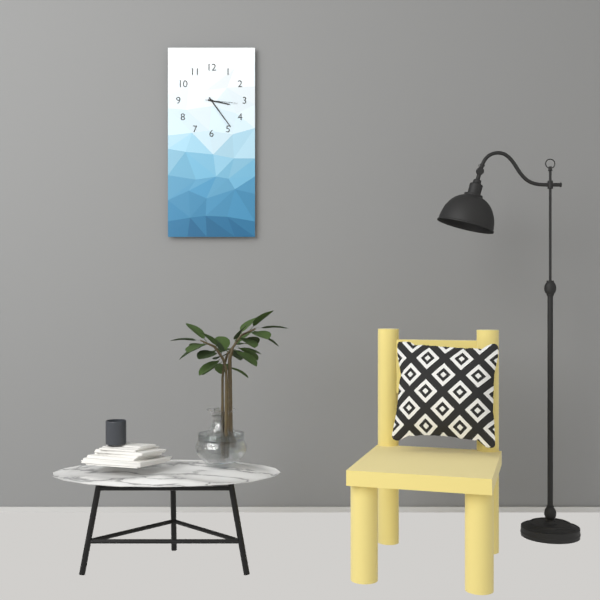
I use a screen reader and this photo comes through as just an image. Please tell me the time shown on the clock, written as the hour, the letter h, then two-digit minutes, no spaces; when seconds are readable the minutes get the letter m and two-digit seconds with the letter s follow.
3h24
